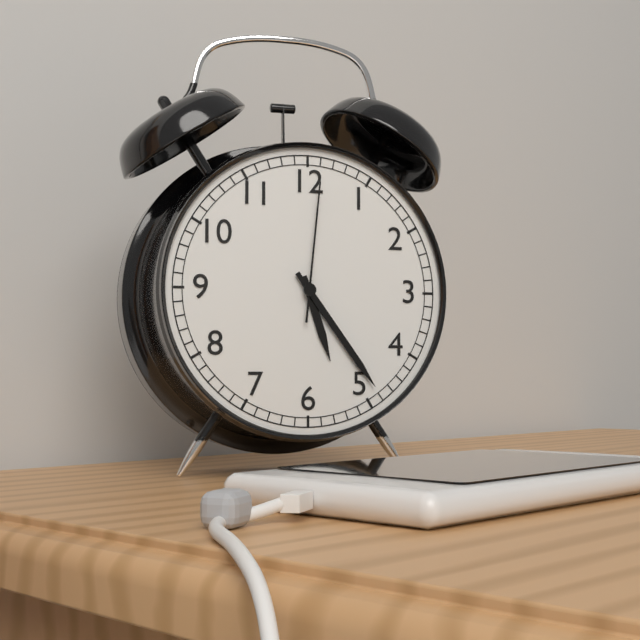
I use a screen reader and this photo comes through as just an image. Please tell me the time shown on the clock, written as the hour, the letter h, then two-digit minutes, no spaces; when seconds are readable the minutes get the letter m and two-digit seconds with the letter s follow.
5h24m01s
